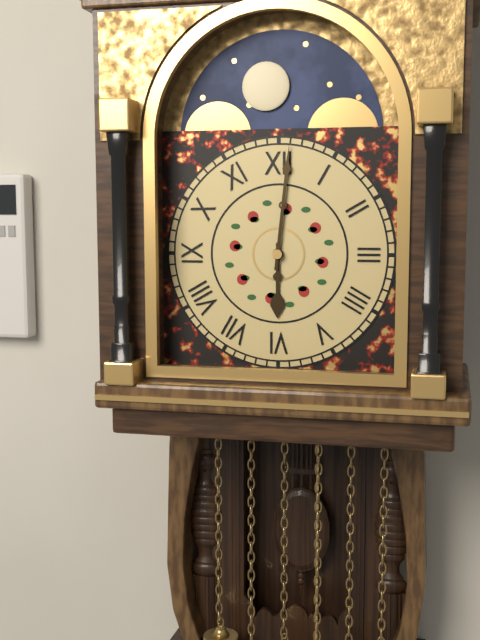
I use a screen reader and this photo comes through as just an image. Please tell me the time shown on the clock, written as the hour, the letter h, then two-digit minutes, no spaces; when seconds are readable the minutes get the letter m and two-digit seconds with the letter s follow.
6h01
